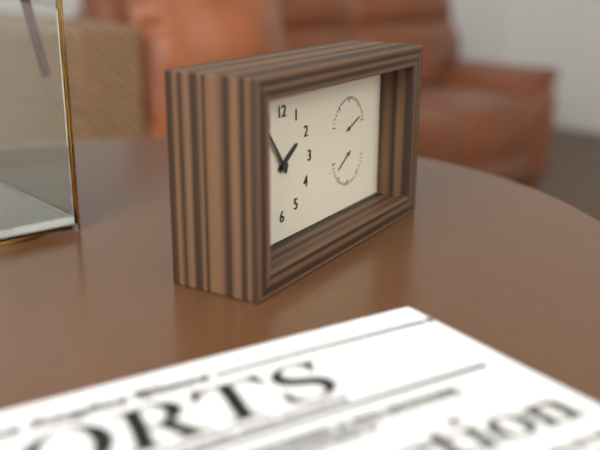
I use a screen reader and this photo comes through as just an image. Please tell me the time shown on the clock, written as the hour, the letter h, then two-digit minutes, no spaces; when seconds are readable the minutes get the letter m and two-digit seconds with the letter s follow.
1h54
